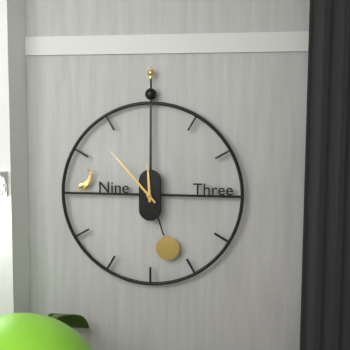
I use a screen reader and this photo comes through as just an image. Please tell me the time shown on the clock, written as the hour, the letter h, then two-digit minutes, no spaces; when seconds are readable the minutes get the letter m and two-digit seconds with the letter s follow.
11h53
